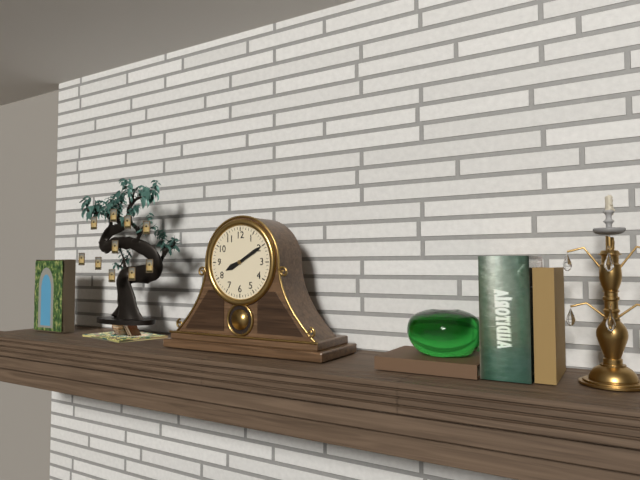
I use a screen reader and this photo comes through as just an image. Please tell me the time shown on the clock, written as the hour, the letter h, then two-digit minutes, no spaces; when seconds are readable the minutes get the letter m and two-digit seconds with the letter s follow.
8h10
